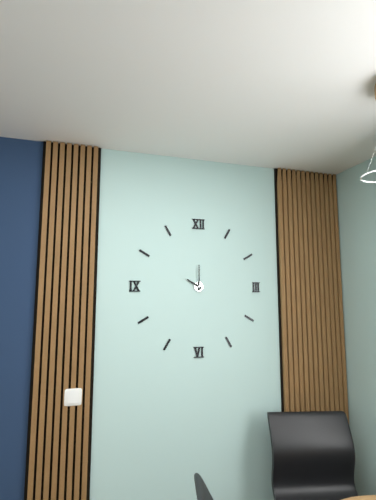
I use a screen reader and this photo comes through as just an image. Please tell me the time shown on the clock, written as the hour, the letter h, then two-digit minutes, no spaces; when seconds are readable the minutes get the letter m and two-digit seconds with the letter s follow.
10h00
